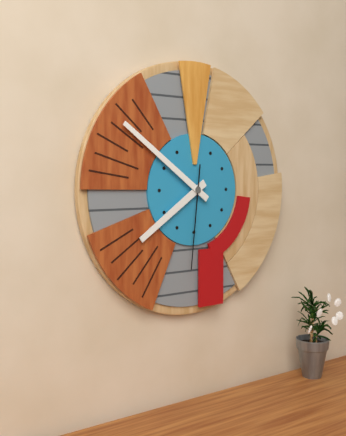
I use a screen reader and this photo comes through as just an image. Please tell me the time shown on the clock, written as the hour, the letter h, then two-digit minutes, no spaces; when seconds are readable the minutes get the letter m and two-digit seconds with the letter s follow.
7h51m31s
